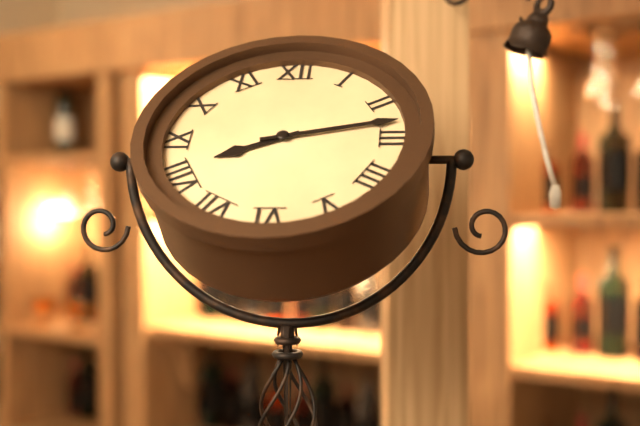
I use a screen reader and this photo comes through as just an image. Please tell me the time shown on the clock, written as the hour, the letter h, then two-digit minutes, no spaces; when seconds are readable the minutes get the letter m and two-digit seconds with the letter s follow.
8h13
